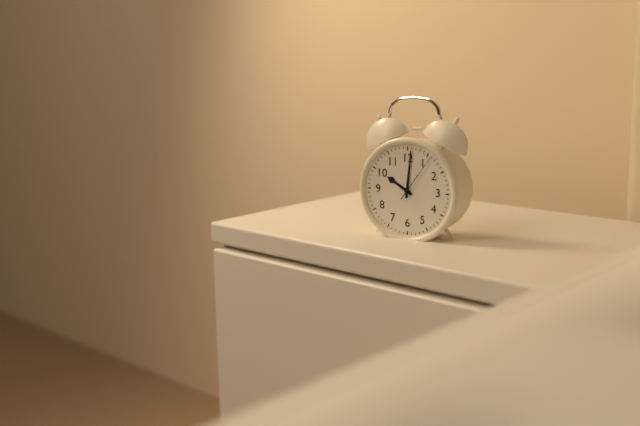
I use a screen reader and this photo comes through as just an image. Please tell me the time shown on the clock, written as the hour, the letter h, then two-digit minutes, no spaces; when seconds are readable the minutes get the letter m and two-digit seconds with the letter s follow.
10h01
